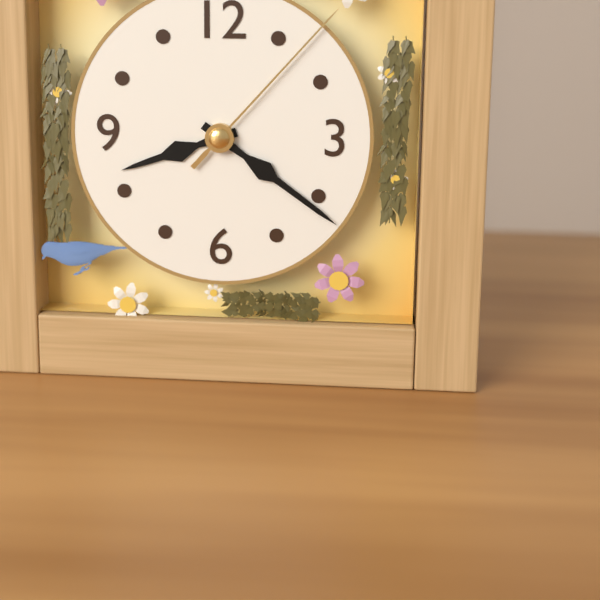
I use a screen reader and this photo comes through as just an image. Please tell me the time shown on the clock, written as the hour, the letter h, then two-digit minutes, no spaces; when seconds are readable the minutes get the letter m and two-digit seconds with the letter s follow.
8h21m07s
